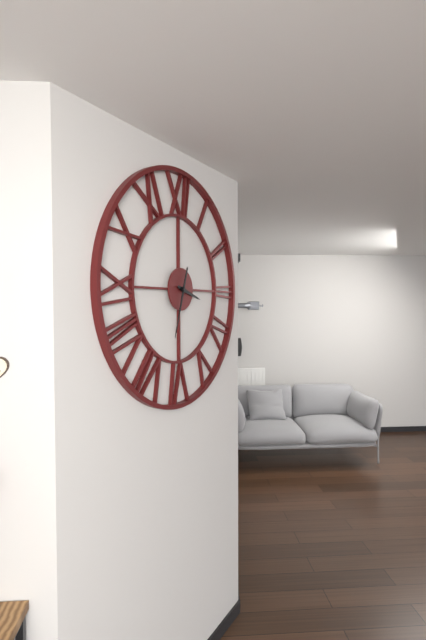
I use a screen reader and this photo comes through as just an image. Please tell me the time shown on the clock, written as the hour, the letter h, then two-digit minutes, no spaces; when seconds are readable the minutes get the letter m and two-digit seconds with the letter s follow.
3h33
